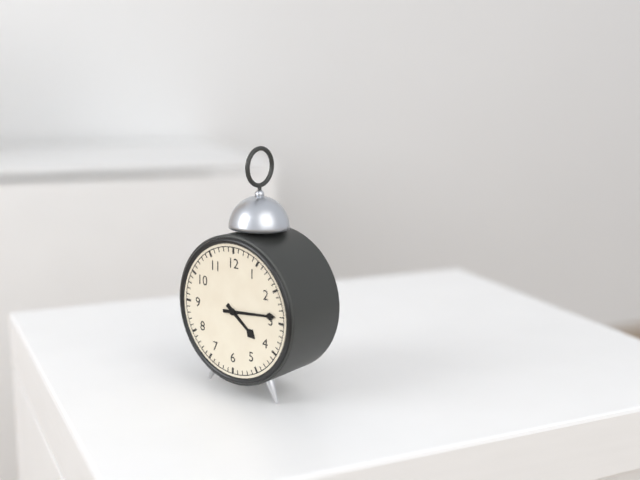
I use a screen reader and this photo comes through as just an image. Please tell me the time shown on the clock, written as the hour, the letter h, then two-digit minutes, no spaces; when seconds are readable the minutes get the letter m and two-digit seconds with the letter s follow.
4h14
